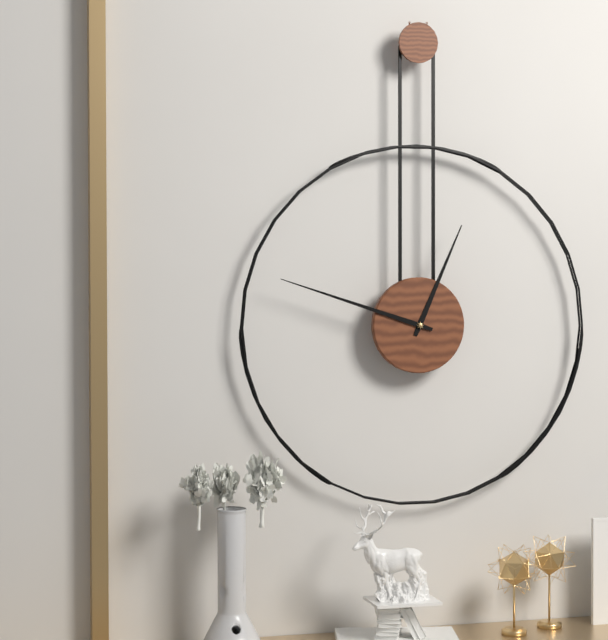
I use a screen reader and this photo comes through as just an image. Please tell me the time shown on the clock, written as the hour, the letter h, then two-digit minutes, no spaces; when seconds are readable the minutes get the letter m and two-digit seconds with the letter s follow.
12h48
